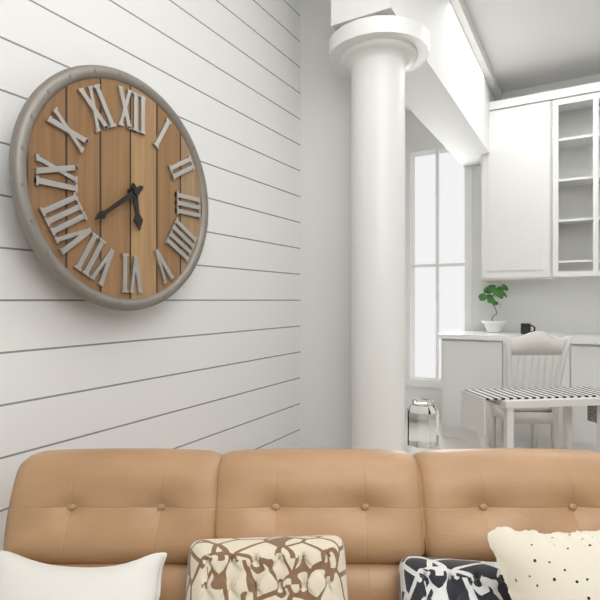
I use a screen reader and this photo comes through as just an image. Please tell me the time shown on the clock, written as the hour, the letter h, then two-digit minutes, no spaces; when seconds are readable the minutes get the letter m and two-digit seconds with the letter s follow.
5h39
